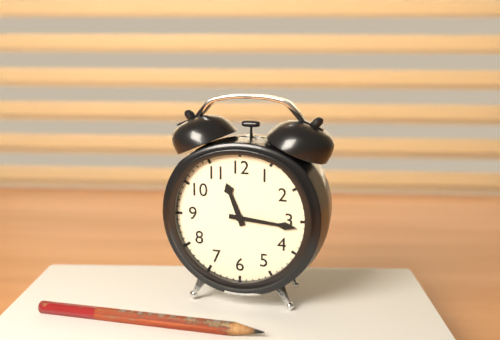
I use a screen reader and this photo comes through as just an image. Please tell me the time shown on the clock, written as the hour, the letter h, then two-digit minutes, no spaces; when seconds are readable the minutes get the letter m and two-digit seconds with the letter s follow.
11h16
